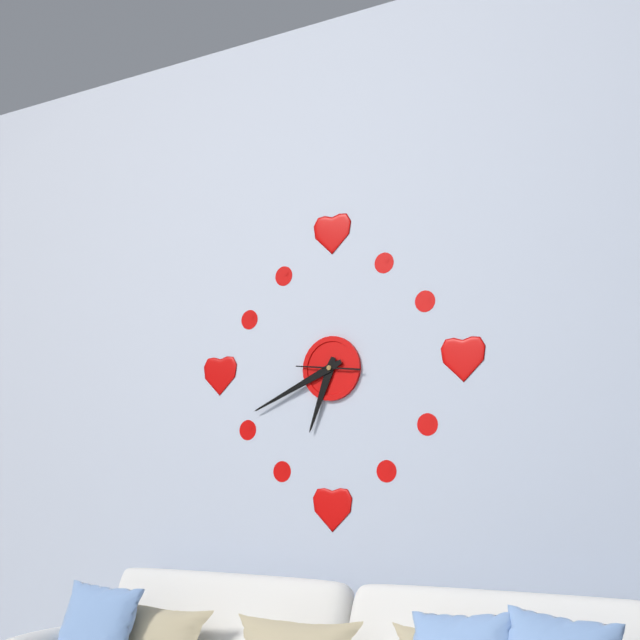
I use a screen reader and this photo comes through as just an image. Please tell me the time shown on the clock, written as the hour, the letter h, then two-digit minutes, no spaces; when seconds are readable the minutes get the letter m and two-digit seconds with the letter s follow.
6h41
